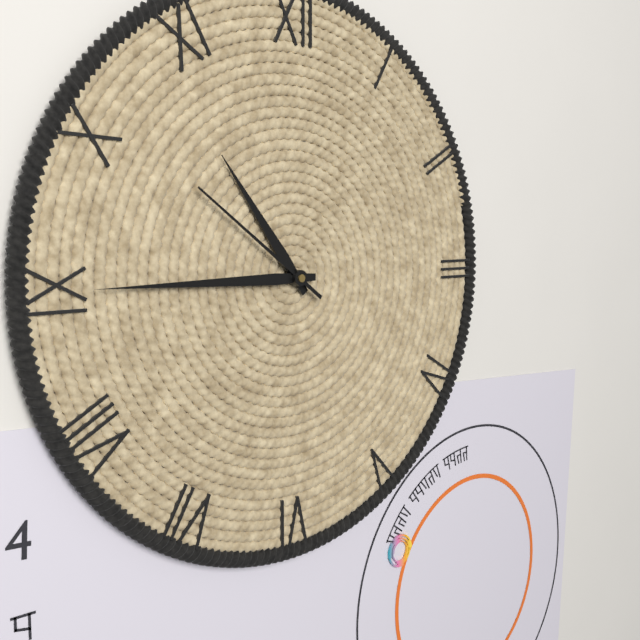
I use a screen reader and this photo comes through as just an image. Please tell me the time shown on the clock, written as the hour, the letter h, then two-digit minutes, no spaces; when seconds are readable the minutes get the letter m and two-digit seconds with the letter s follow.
10h45m51s
